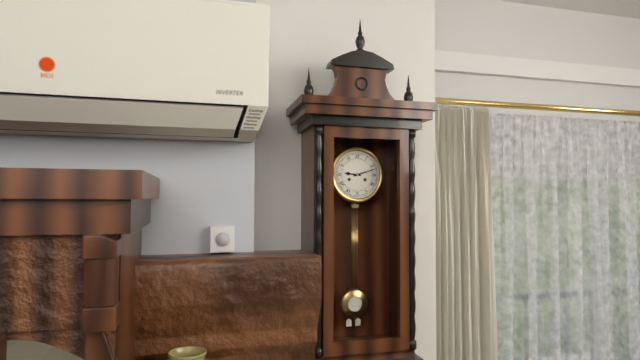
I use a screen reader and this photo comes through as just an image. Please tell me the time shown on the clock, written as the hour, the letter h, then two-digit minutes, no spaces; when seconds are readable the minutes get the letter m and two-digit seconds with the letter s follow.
9h12
